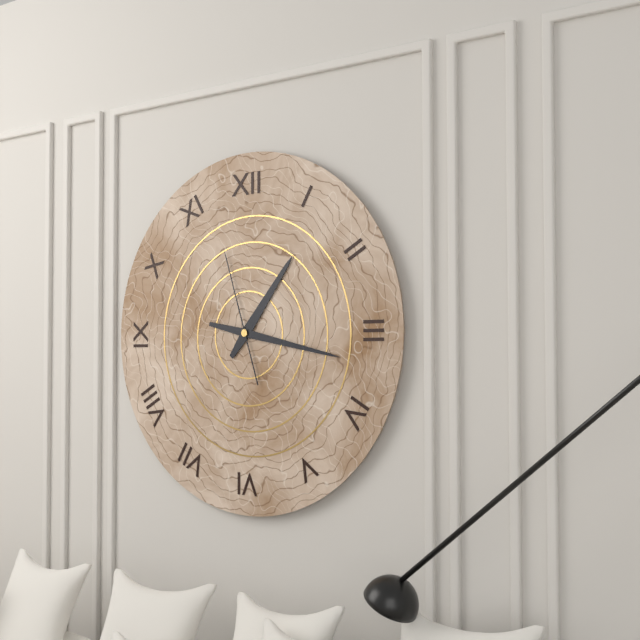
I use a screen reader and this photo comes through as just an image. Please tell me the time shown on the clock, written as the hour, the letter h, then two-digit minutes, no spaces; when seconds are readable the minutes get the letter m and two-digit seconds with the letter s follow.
1h17m57s
